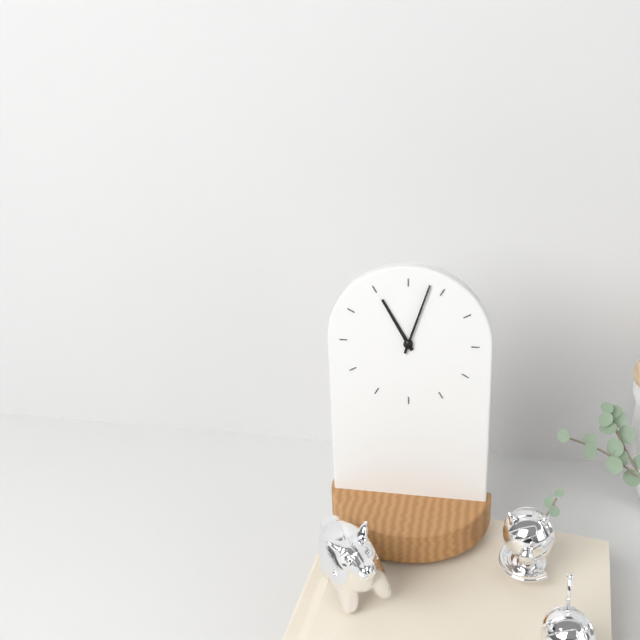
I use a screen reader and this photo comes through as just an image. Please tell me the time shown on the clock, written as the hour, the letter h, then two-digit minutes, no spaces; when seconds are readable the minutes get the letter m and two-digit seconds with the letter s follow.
11h03
